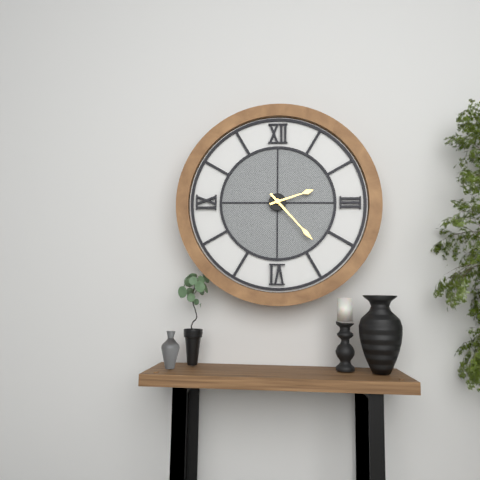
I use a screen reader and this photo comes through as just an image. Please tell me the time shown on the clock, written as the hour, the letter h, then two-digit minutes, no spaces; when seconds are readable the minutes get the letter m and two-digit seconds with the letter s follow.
2h23
